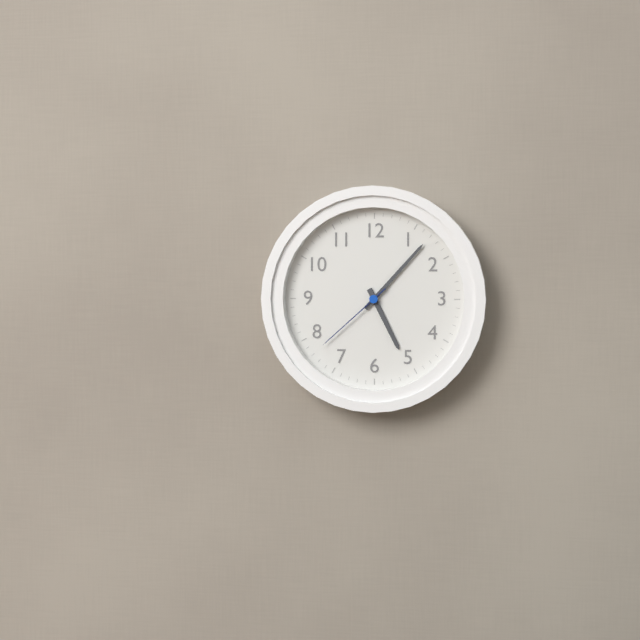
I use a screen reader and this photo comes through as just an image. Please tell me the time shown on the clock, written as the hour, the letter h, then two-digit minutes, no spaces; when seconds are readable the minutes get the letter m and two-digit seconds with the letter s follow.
5h07m38s
